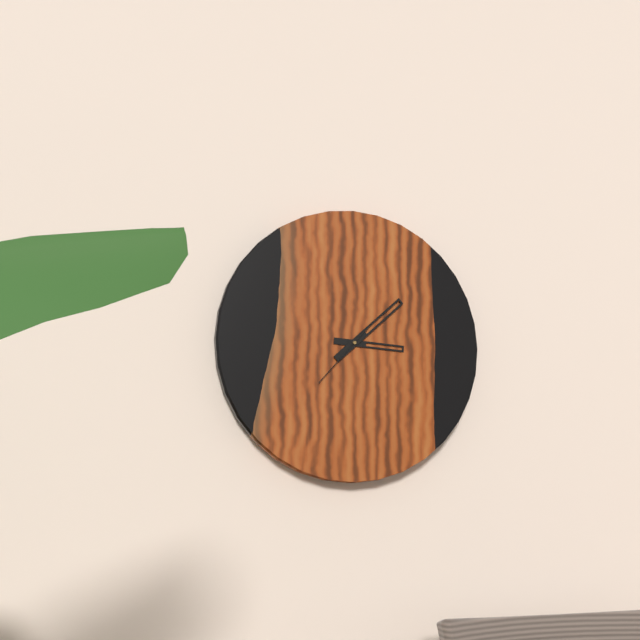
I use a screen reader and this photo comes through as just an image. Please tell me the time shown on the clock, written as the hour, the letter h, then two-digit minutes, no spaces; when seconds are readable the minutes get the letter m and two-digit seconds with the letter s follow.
3h08m37s
